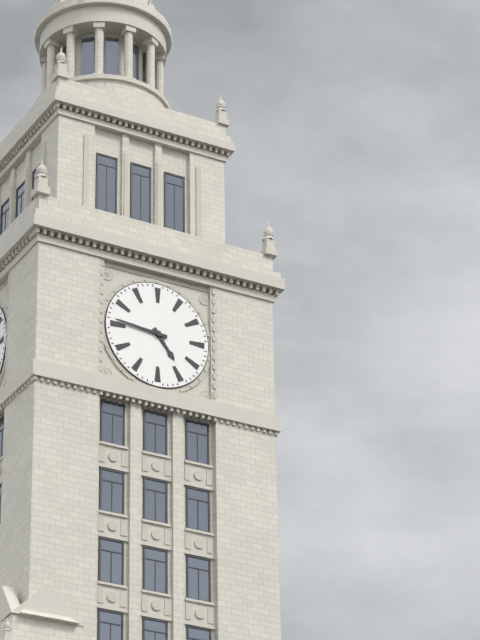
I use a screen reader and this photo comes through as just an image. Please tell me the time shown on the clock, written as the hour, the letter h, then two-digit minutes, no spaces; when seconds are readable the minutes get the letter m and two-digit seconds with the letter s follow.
4h46
